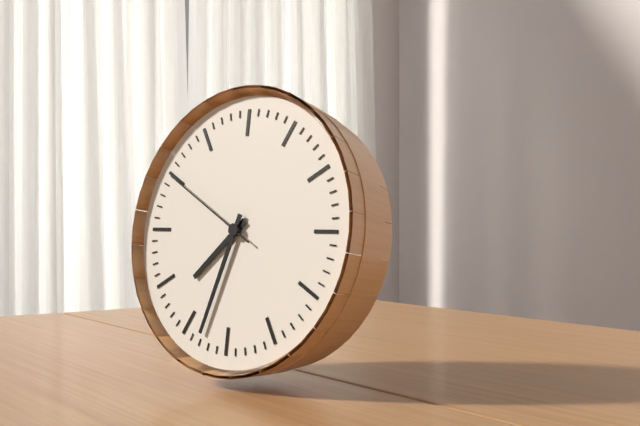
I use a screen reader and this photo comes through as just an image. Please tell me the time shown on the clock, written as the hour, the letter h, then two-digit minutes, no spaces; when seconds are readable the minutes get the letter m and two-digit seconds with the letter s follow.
7h33m50s
